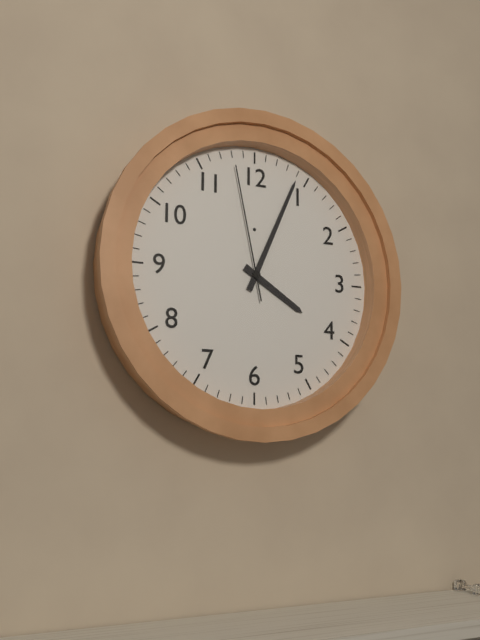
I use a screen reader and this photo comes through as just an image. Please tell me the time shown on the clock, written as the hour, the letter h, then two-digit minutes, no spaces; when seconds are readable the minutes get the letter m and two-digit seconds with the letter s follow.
4h04m58s
